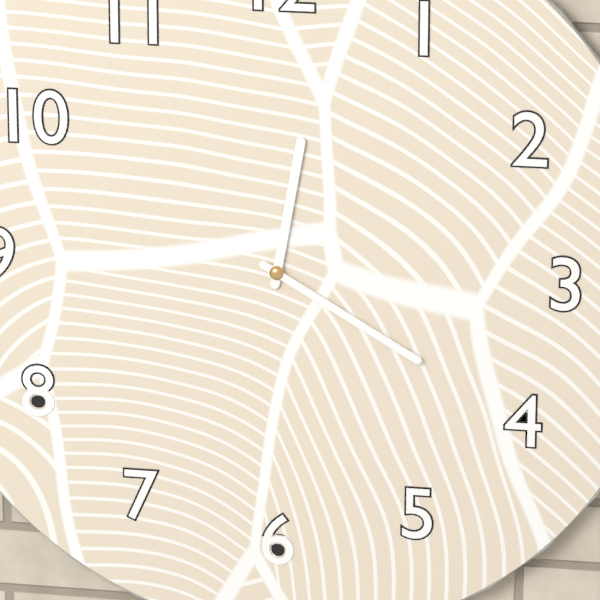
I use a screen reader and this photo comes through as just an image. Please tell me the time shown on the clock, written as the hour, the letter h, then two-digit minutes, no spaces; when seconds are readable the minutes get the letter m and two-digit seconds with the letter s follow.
12h20
